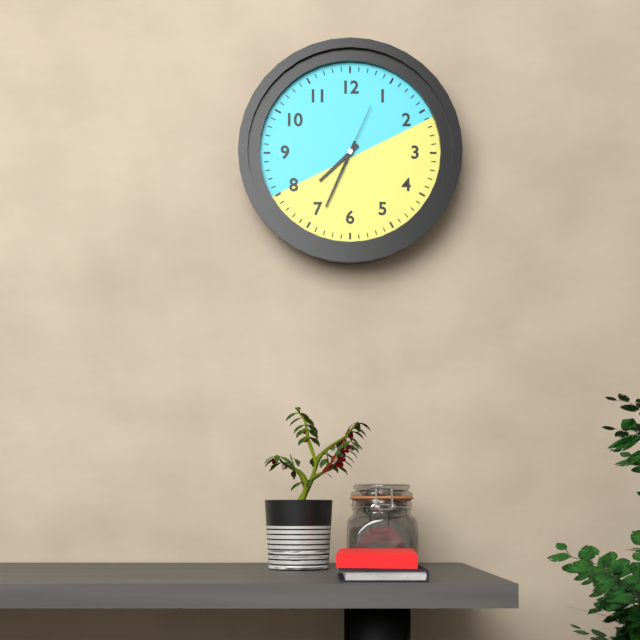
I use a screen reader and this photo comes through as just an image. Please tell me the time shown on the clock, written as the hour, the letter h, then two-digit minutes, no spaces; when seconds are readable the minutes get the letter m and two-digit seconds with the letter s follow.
7h34m04s
